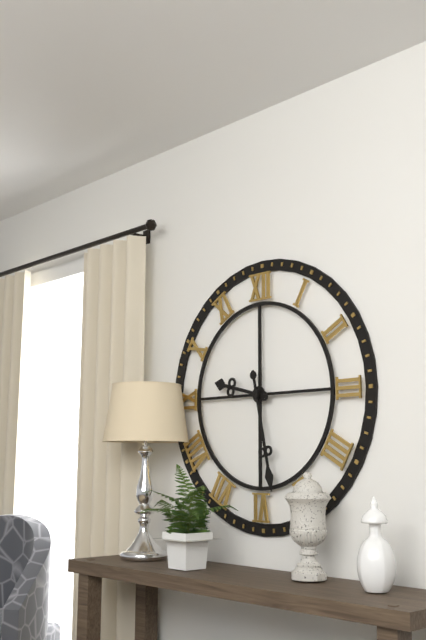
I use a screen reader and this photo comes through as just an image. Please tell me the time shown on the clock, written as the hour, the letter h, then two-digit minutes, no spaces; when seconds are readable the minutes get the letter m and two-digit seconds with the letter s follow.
9h28
